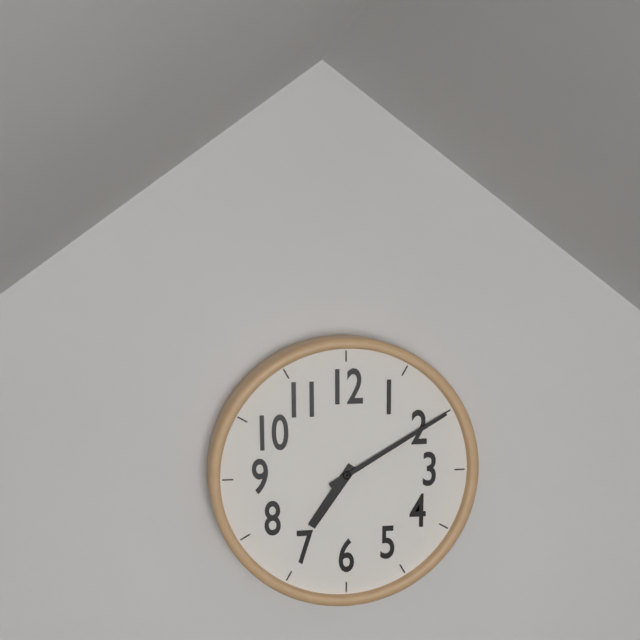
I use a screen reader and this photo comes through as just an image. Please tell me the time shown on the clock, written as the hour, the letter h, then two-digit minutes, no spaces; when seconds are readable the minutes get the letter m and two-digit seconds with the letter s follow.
7h10
